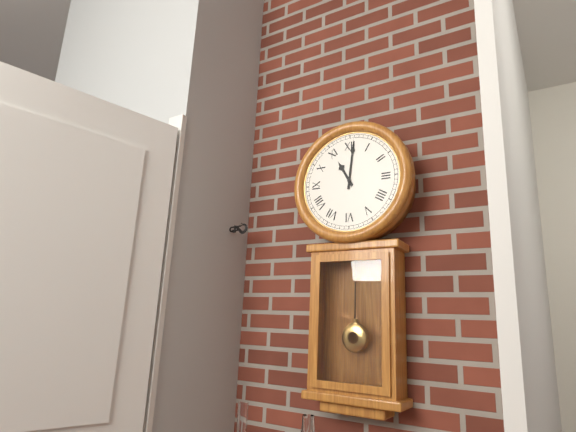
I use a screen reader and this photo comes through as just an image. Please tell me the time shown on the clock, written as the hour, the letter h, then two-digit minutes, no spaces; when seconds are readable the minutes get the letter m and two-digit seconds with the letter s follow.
11h01
